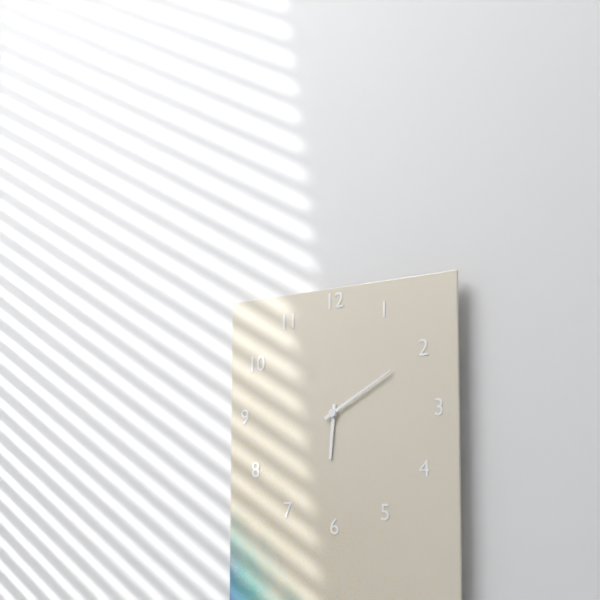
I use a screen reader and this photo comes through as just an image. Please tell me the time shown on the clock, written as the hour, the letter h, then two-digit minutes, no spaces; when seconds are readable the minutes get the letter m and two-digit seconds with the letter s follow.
6h10
